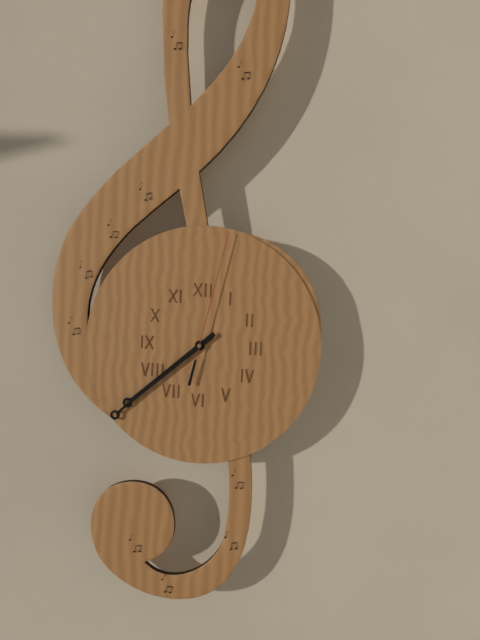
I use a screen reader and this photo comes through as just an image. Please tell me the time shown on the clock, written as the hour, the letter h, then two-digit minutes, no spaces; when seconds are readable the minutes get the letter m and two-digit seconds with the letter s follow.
7h38m02s
